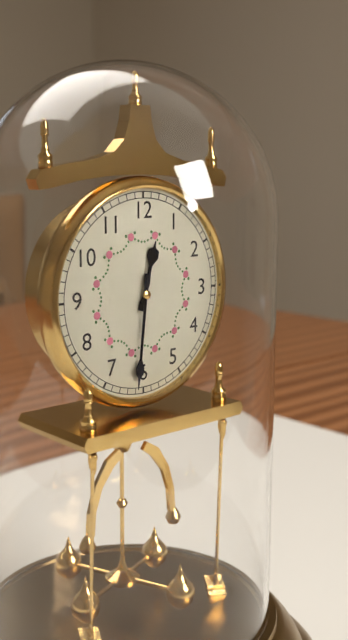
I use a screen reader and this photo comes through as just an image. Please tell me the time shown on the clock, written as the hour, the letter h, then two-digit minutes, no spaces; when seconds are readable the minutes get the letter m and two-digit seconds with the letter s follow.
12h31
